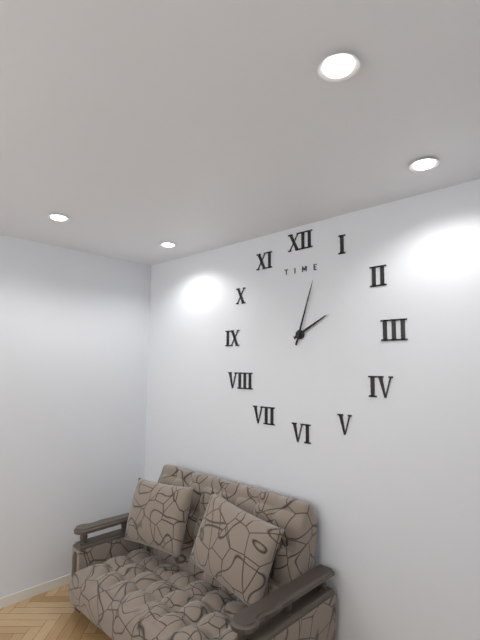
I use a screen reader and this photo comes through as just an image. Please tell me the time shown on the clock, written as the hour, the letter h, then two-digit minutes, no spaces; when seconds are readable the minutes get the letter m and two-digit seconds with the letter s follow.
2h03
